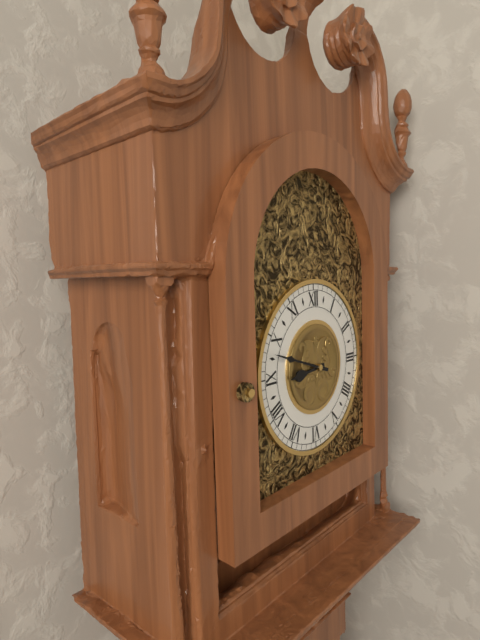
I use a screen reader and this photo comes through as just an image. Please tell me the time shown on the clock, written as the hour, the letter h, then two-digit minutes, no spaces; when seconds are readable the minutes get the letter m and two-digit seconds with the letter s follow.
8h48
